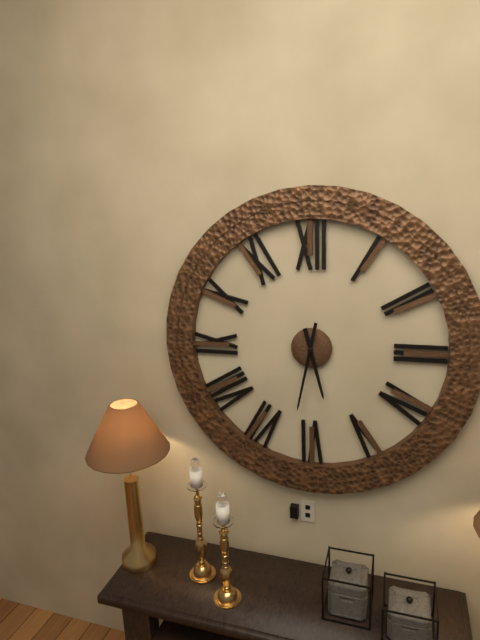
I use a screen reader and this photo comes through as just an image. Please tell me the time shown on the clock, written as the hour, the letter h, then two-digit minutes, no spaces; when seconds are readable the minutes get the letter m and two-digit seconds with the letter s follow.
5h32
